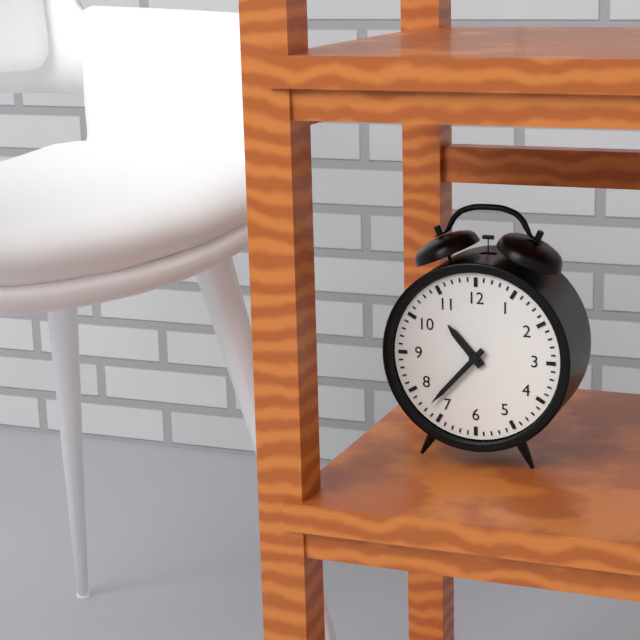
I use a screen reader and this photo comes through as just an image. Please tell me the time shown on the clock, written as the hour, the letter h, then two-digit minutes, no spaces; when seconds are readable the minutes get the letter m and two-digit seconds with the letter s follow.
10h37
